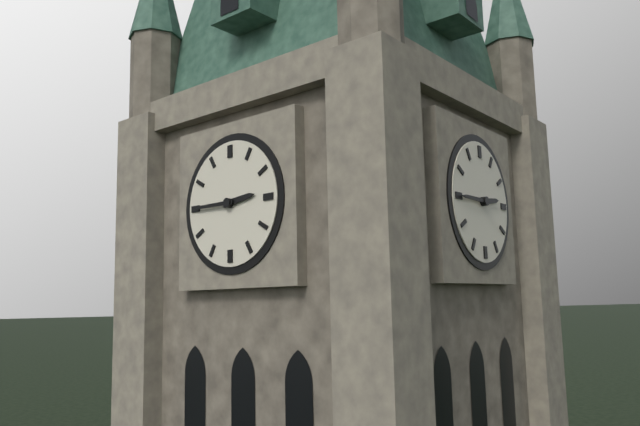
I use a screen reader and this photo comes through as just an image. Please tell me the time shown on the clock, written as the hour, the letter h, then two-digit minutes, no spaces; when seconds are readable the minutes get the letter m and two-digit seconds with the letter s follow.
2h45
